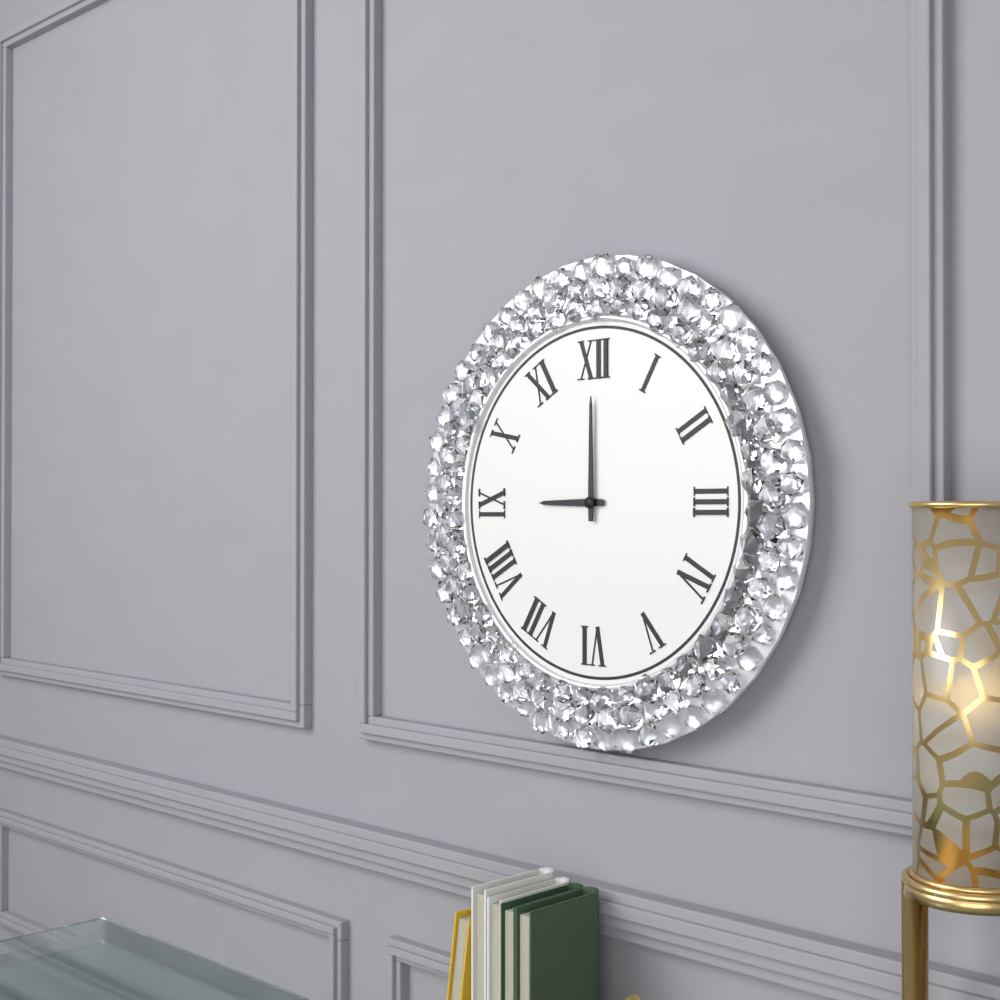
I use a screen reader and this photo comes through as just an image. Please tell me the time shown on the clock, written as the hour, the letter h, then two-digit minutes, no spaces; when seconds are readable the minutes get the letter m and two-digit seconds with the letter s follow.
9h00
